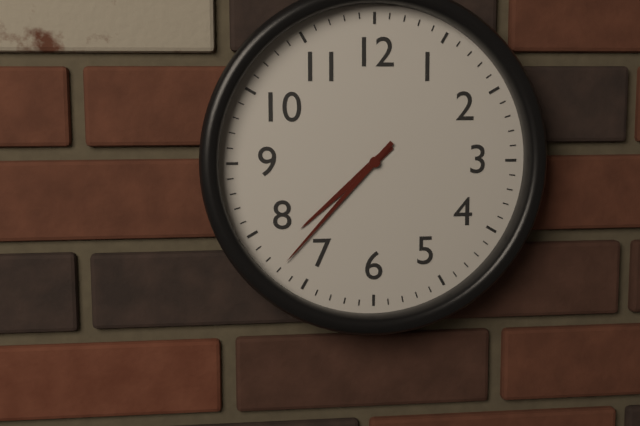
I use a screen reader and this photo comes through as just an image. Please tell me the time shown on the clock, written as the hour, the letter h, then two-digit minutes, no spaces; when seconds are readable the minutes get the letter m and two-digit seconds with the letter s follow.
7h37
